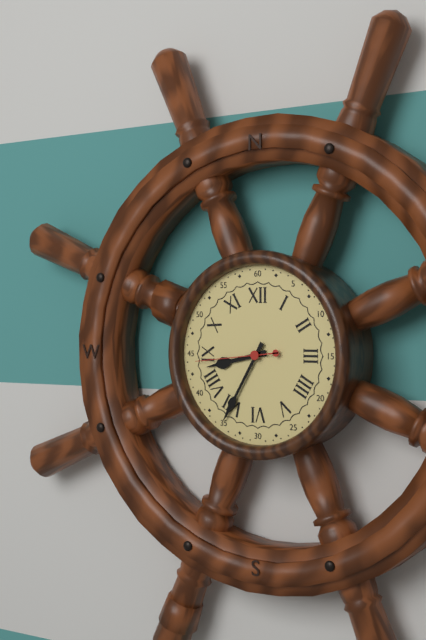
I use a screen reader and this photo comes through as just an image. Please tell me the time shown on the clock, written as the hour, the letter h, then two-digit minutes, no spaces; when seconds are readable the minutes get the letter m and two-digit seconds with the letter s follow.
8h35m44s
